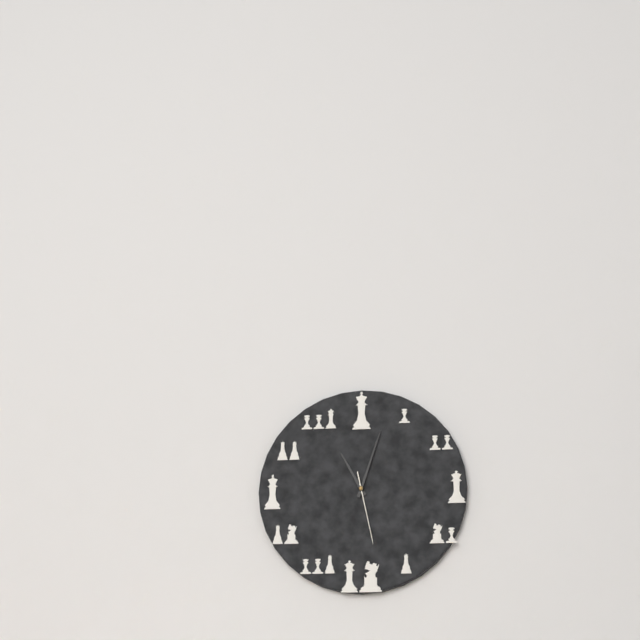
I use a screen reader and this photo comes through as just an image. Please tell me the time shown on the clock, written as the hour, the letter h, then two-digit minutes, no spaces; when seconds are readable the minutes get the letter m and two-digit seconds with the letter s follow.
11h03m28s
